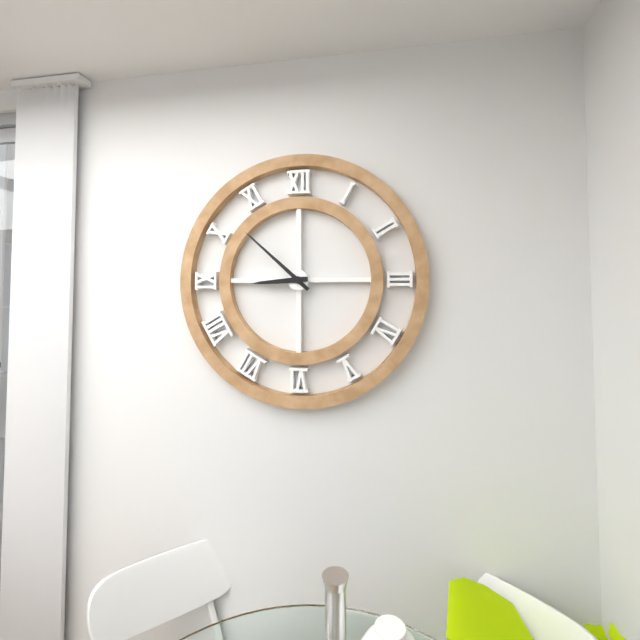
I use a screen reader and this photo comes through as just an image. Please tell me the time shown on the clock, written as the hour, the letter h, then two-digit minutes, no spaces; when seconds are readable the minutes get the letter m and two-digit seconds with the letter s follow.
8h52
